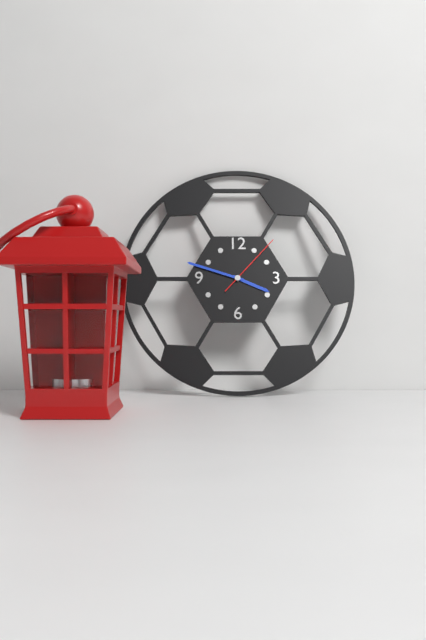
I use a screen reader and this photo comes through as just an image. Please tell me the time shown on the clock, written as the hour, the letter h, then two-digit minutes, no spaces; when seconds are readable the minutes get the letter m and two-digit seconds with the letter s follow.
3h48m07s
